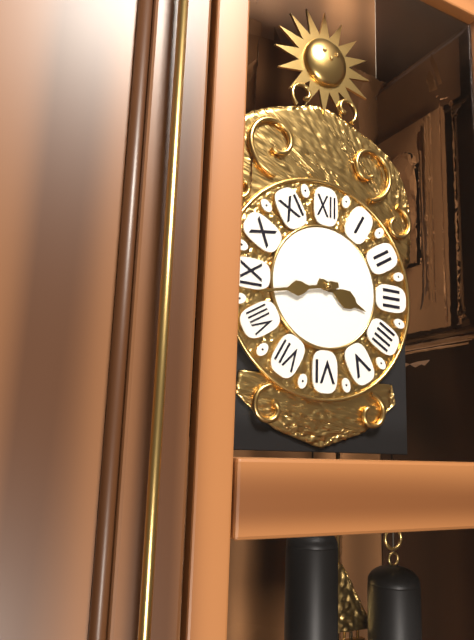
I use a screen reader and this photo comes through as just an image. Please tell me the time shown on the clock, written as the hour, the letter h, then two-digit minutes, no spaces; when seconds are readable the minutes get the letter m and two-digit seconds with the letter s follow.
3h43
